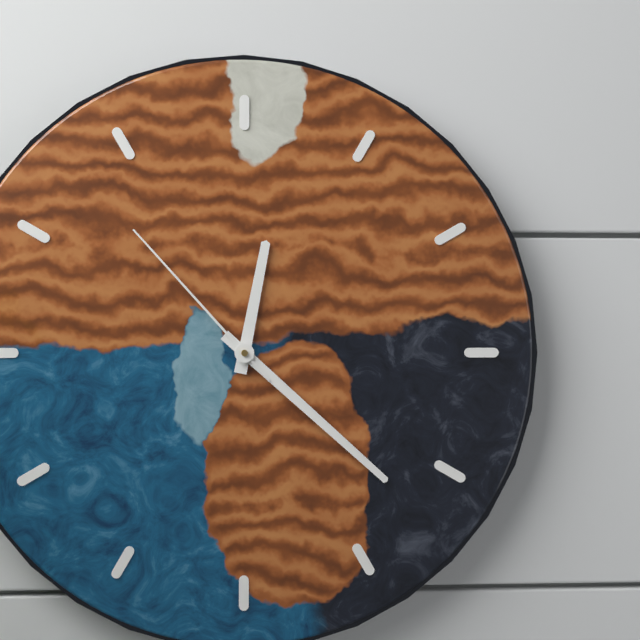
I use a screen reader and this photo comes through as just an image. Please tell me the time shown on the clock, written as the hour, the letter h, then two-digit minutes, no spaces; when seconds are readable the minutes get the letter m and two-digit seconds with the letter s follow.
12h22m53s
